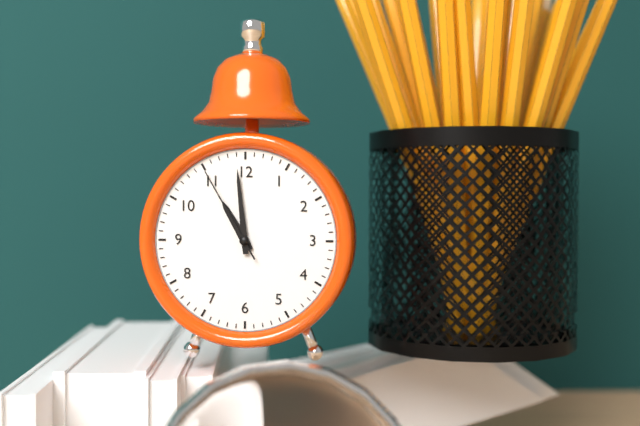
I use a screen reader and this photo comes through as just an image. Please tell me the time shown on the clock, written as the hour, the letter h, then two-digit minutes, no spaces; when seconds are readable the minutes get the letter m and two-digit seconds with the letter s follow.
10h59m55s
